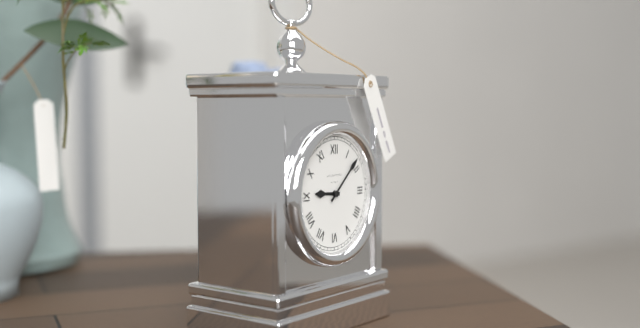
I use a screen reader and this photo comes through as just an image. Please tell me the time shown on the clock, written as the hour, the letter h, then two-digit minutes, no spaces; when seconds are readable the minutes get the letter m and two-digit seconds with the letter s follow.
9h08
